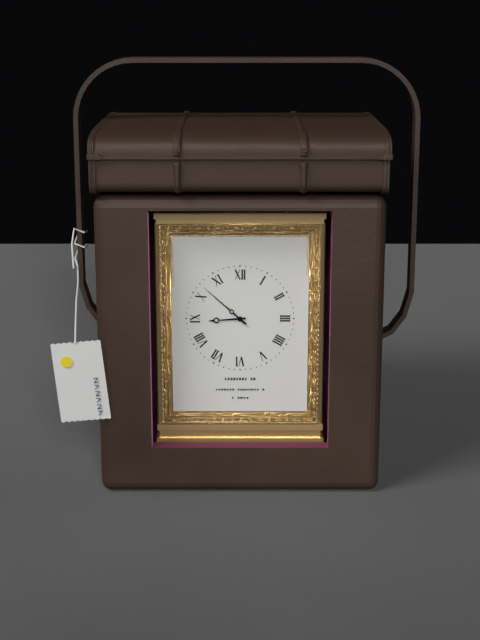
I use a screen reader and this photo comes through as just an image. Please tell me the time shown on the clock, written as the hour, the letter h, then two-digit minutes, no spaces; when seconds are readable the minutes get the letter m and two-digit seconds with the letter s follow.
8h52
